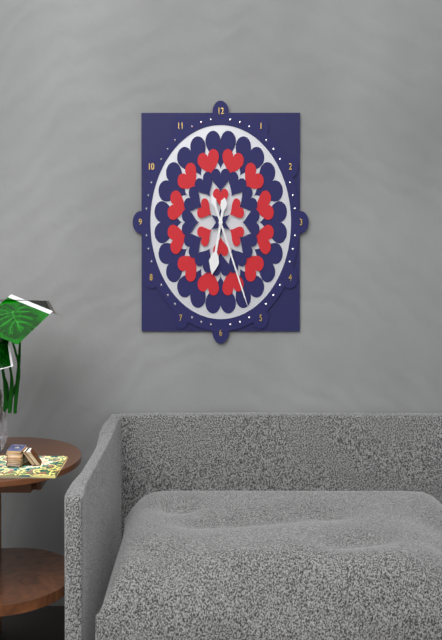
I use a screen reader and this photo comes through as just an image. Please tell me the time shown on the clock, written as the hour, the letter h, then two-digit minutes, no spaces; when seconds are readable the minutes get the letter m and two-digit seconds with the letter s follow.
6h26
